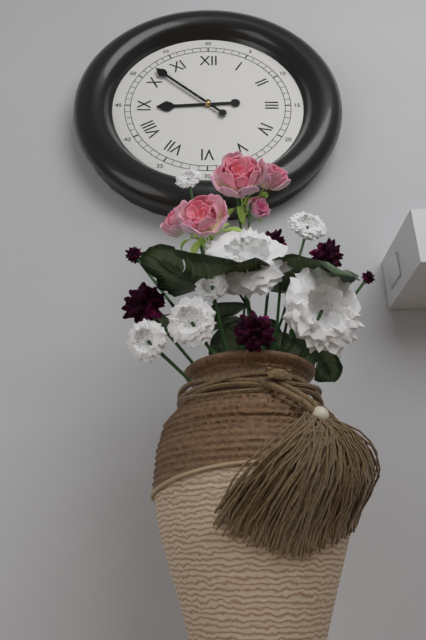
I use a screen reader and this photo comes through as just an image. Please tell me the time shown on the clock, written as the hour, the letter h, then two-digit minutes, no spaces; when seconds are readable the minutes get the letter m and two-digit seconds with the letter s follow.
8h52
